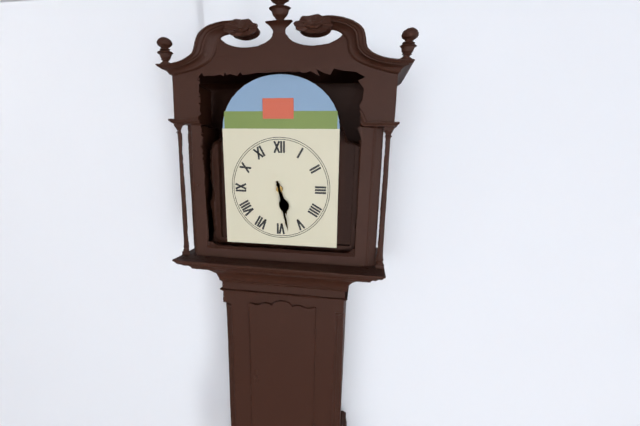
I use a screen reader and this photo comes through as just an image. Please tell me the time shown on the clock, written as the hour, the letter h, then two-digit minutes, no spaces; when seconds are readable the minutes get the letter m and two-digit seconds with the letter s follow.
5h28
